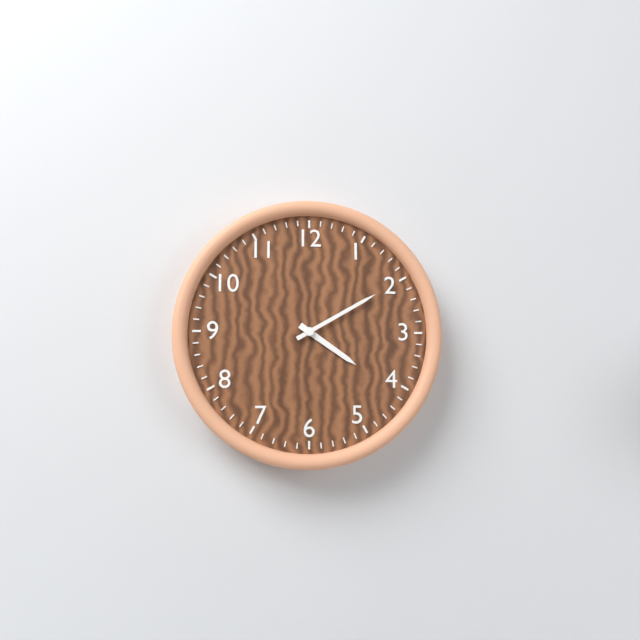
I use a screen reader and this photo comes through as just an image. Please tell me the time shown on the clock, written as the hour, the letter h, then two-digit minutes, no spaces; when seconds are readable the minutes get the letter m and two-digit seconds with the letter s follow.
4h10
